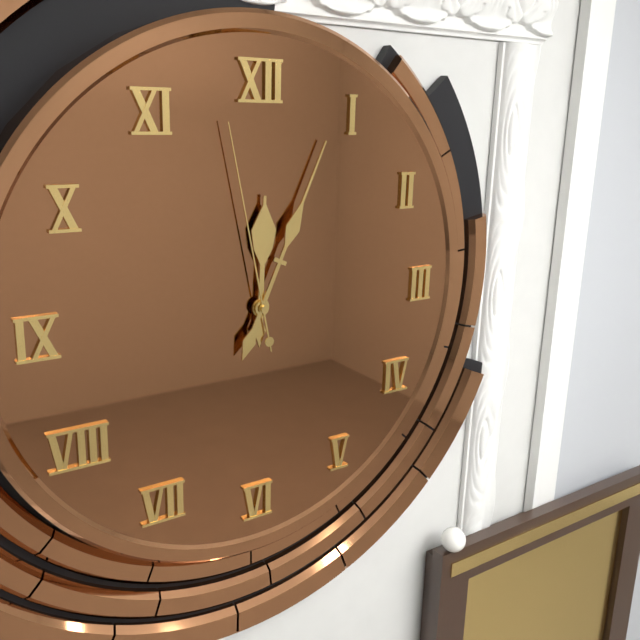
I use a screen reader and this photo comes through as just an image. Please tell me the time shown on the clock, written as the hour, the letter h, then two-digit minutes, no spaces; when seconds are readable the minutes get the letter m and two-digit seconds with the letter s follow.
12h04m58s
